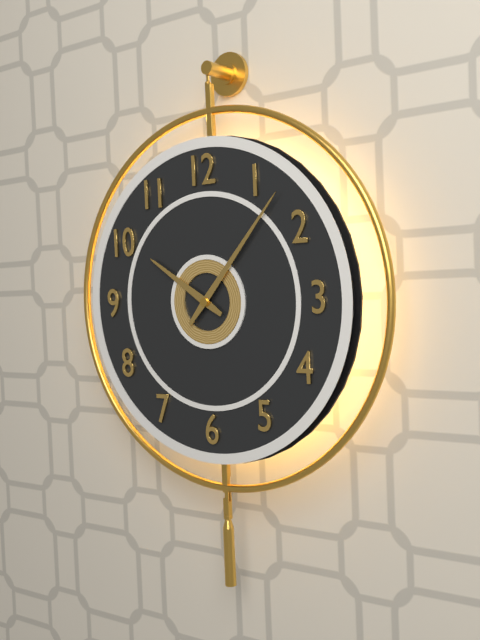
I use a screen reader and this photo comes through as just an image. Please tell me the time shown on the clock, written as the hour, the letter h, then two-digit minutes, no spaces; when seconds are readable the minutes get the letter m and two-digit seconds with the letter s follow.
10h07
